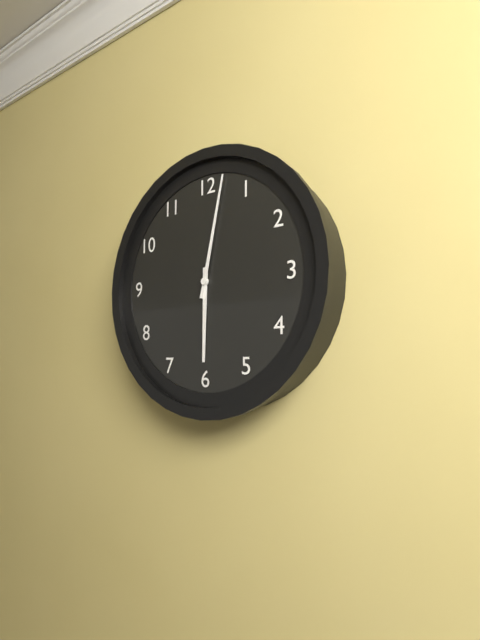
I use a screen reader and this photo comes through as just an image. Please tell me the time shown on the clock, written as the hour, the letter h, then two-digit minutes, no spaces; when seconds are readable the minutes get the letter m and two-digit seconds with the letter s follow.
6h02
